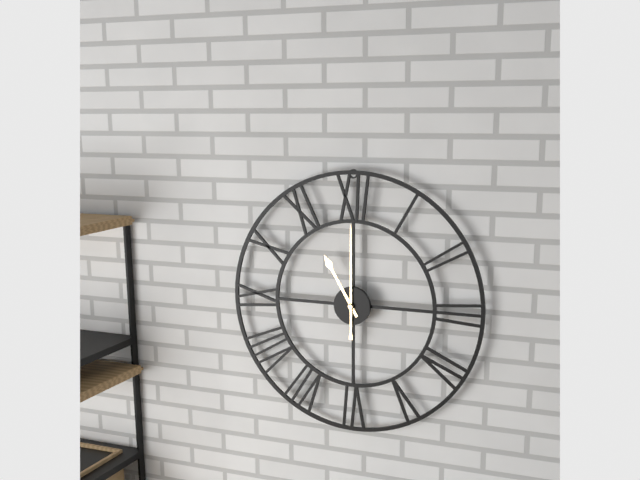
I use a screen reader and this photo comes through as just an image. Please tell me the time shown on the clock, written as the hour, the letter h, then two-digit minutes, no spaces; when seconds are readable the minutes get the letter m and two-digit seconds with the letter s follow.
11h00
